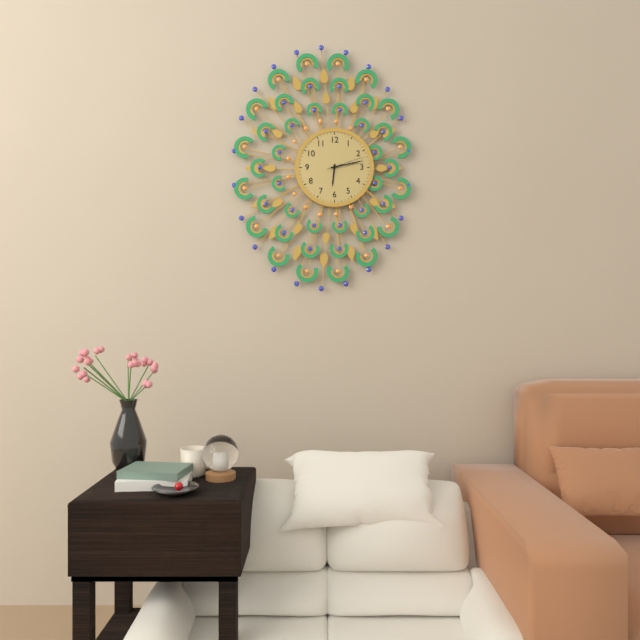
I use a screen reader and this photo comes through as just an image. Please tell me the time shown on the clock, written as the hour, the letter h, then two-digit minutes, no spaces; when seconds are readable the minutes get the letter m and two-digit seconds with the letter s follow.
6h13
